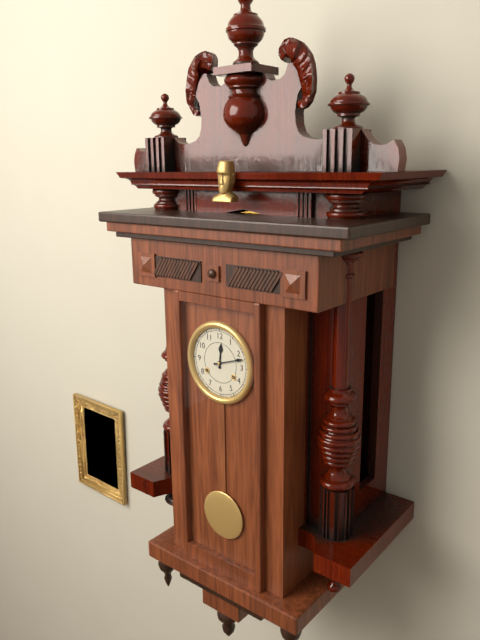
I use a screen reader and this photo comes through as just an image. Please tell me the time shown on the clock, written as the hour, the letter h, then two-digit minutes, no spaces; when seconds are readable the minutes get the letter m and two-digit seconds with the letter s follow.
12h12
